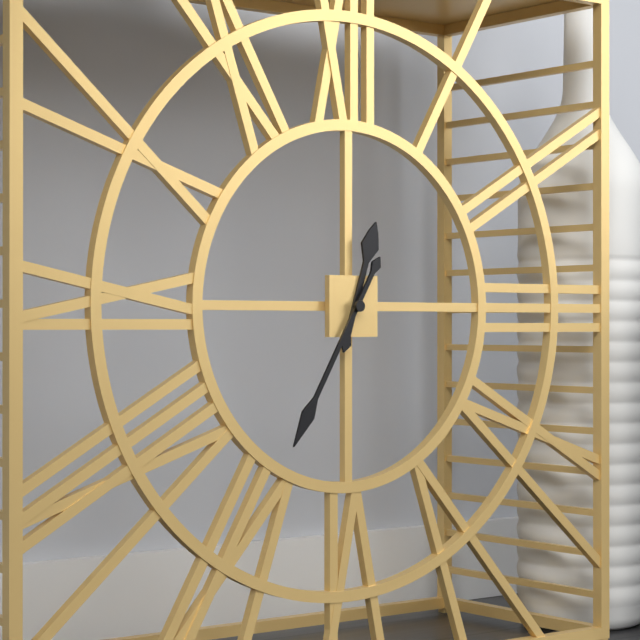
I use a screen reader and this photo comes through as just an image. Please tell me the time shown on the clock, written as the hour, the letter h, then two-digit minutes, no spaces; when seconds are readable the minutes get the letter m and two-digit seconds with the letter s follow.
12h35
